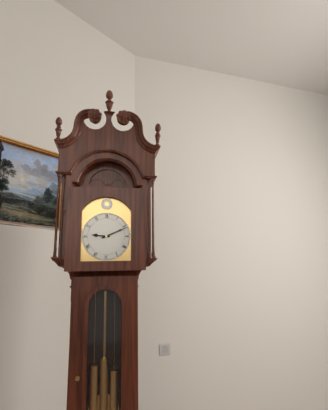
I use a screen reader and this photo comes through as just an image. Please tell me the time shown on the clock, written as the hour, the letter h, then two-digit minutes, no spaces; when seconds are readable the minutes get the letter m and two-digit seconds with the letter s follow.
9h11
